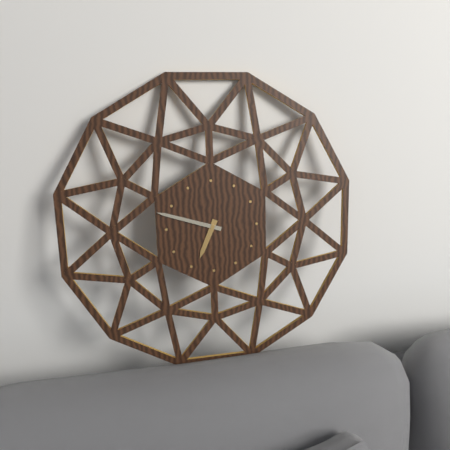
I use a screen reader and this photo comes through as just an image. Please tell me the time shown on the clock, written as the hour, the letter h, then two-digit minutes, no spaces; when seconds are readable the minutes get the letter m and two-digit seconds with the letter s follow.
6h48
